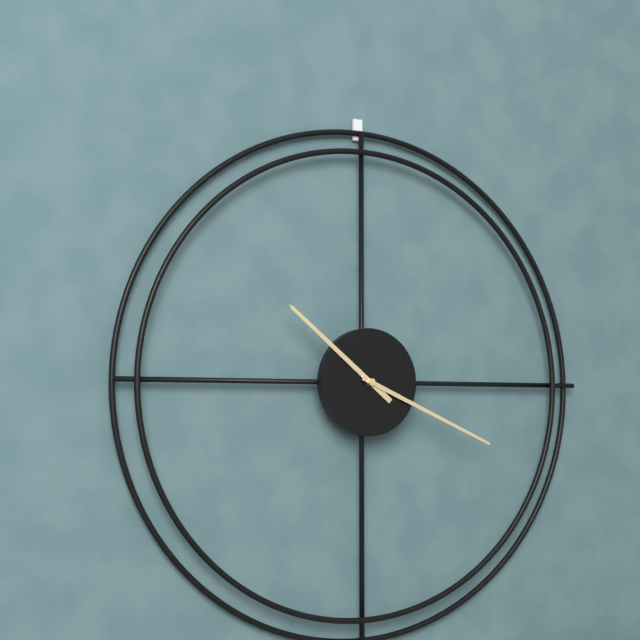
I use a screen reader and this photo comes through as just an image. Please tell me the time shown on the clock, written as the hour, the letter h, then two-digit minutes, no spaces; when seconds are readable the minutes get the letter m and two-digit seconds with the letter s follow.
10h19
